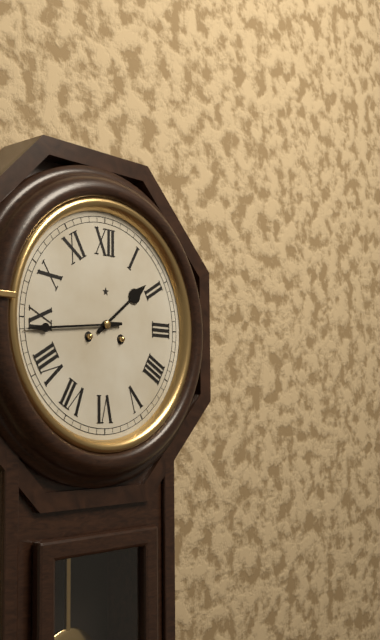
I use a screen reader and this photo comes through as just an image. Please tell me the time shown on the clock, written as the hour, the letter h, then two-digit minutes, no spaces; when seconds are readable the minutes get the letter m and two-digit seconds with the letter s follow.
1h44
